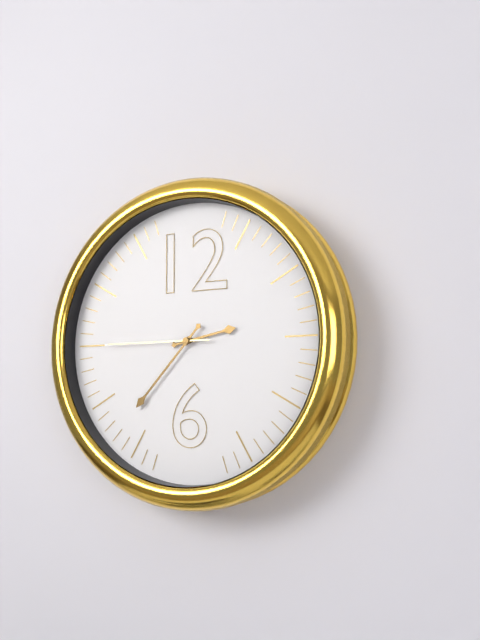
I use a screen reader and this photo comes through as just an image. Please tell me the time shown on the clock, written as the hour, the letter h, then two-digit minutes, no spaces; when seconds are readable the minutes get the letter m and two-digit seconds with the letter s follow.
2h37m45s
